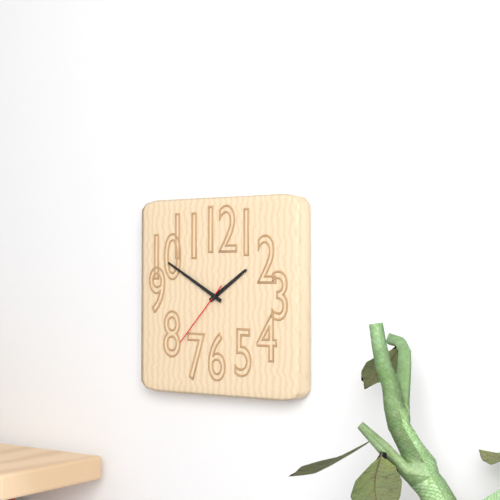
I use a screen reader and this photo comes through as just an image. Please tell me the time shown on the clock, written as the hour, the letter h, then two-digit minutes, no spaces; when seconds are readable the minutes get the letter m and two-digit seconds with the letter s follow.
1h50m37s
